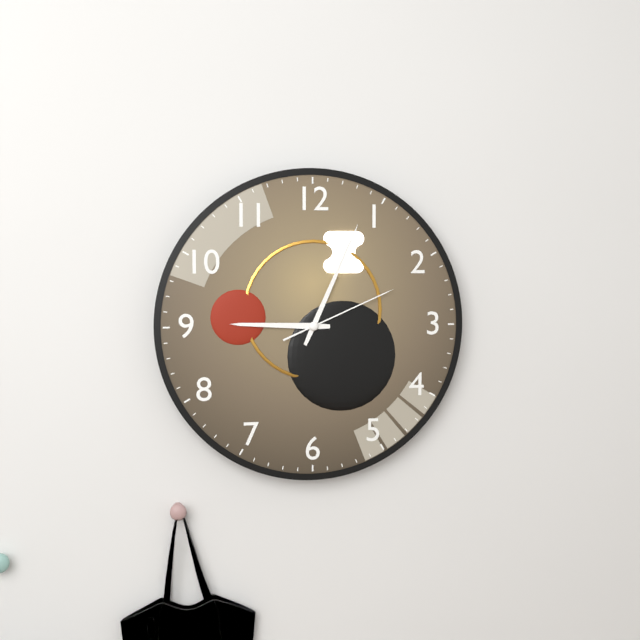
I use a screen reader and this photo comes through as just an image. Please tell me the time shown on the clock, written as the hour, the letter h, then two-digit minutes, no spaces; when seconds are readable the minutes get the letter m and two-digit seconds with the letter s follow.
9h04m11s
